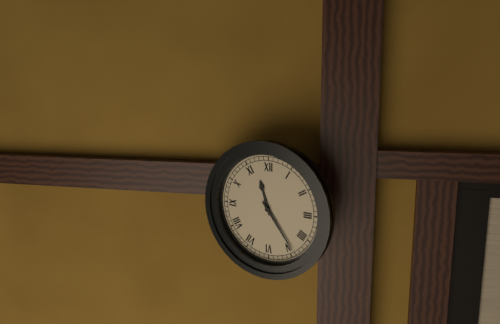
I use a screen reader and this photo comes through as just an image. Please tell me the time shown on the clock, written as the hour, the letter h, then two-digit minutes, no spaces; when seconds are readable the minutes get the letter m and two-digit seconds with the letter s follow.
11h24
